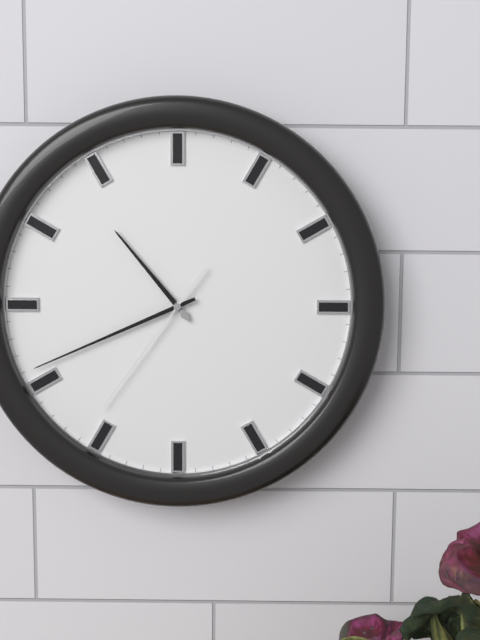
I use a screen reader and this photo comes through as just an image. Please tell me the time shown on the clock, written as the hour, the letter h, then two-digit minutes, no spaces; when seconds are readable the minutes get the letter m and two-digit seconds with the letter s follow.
10h41m36s
